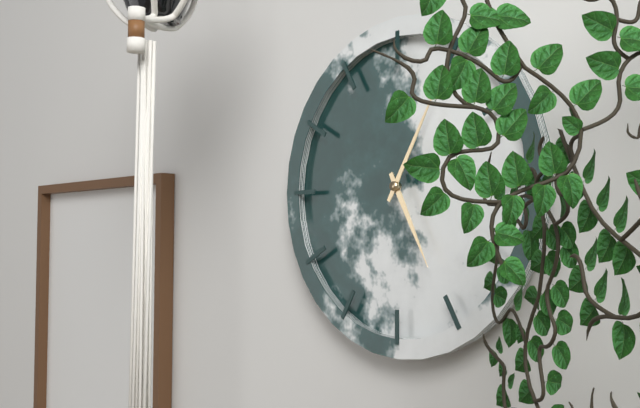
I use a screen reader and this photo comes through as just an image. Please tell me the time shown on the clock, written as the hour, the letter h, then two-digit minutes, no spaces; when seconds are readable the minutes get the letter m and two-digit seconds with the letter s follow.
5h05
